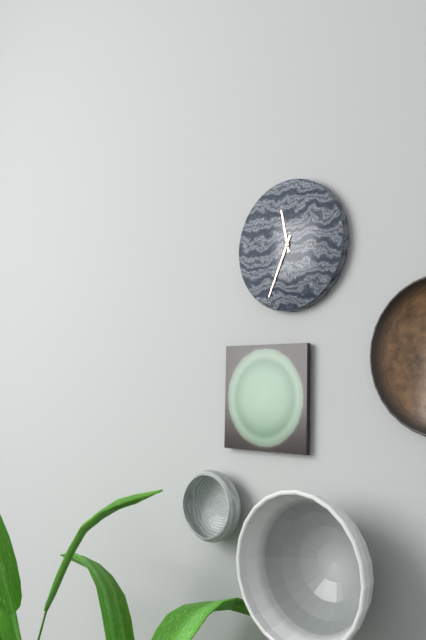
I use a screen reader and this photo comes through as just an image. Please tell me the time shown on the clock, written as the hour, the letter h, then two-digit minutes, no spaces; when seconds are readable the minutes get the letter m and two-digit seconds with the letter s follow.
11h34
